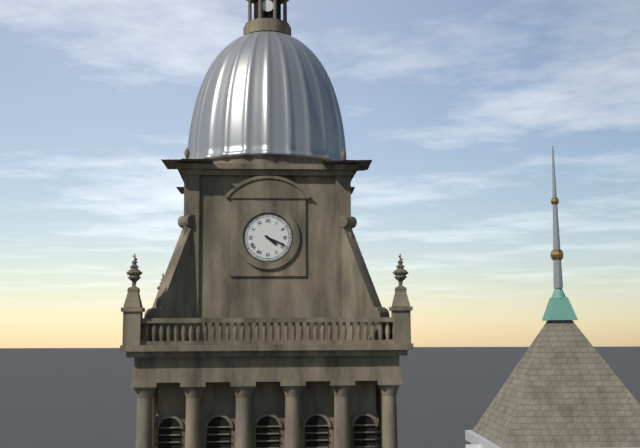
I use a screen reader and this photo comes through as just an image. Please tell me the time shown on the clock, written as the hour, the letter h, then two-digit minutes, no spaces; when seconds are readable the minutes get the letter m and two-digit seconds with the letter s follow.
4h19
